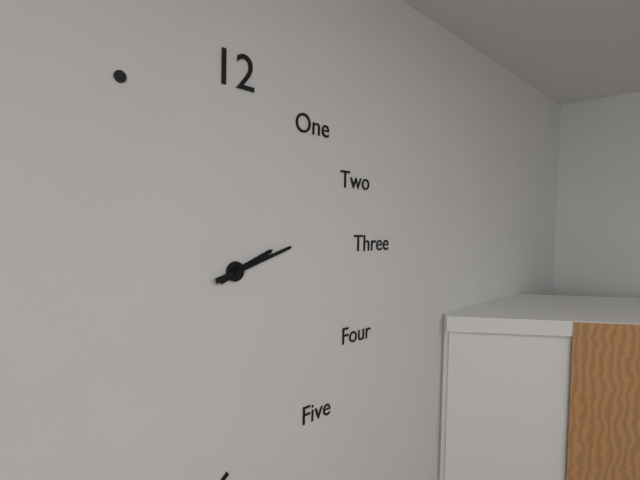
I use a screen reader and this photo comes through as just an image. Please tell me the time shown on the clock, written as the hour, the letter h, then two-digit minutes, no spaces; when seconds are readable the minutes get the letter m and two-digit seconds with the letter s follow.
2h12
